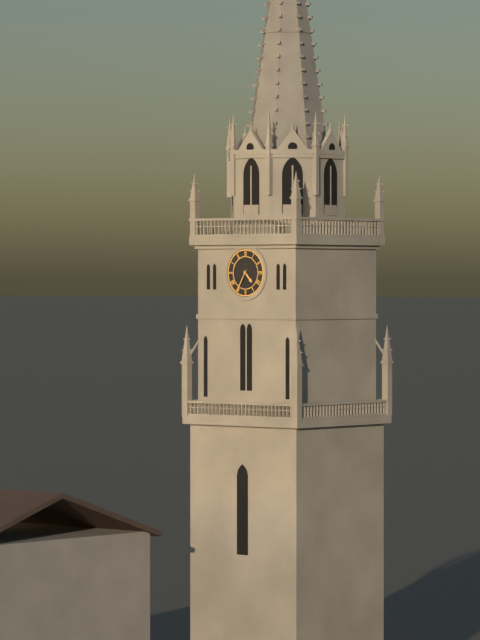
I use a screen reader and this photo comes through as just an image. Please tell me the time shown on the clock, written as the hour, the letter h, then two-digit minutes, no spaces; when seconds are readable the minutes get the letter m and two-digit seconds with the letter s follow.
4h35
